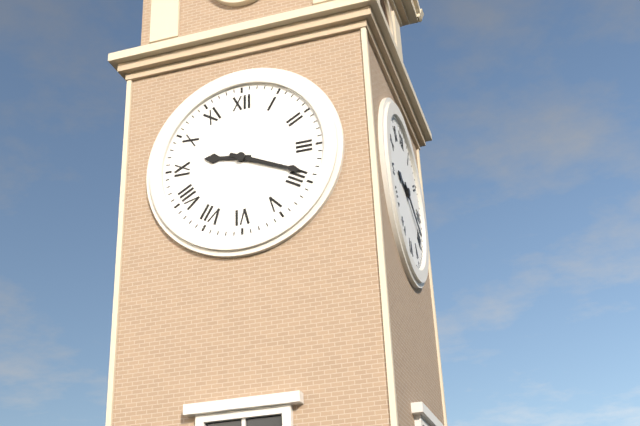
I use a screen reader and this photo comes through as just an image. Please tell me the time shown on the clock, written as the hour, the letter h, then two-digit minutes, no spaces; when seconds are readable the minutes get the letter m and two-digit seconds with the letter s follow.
9h19
